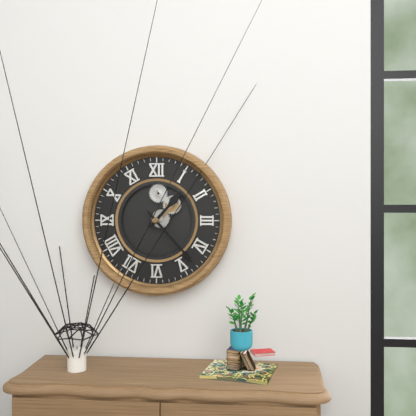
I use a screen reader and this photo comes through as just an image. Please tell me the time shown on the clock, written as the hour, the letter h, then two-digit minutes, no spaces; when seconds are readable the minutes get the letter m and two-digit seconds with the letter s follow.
1h23
